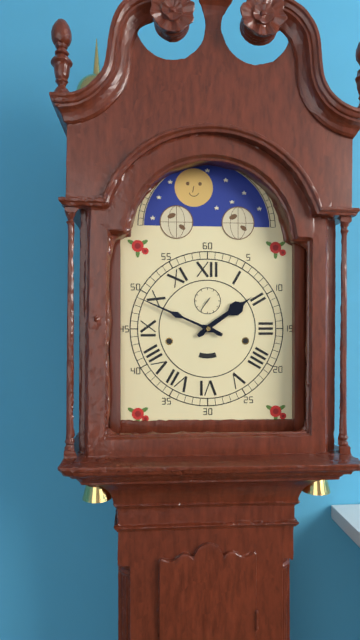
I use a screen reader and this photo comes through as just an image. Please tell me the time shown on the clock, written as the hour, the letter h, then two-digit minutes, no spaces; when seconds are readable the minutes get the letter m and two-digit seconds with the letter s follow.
1h49
